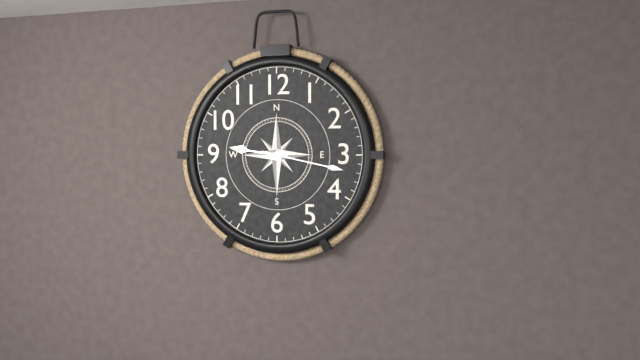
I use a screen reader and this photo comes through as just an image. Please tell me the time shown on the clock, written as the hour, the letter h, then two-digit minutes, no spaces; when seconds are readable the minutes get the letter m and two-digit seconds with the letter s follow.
9h17
